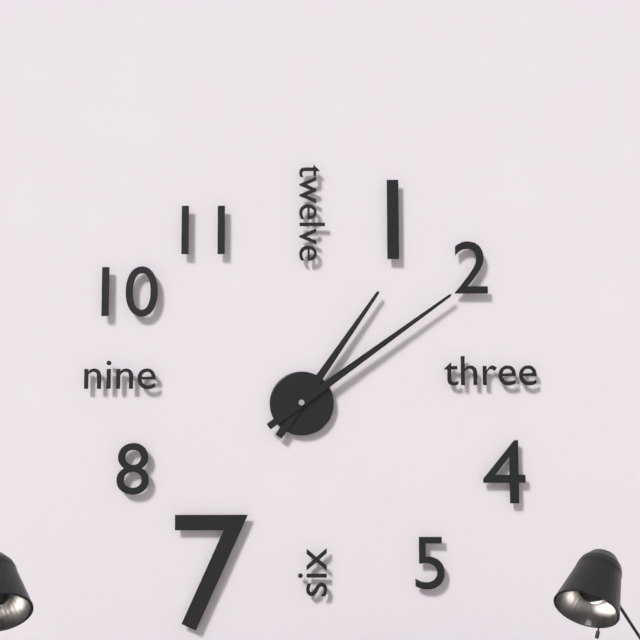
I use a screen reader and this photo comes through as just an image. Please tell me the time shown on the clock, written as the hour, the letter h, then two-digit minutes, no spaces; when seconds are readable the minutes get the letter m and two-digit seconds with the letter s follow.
1h09
